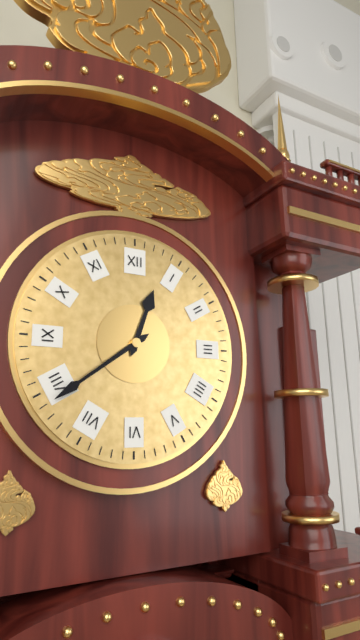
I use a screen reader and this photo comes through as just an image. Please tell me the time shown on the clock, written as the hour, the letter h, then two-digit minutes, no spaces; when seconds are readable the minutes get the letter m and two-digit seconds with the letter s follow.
12h39
